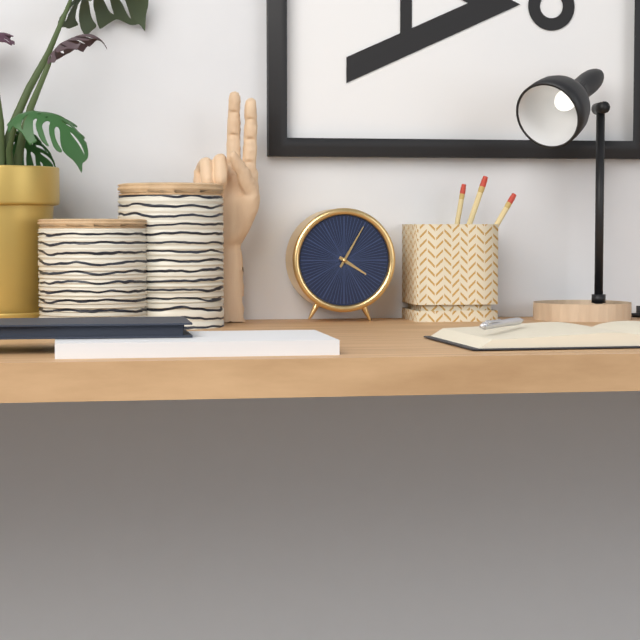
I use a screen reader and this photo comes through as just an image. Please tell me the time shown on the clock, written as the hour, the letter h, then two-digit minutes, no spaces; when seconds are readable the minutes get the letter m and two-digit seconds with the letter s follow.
4h05
